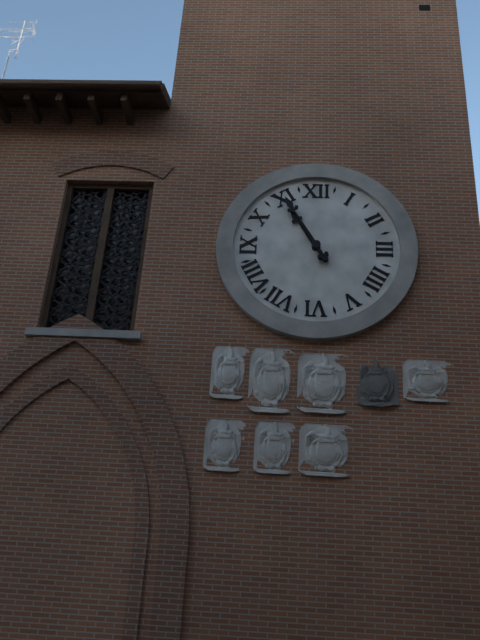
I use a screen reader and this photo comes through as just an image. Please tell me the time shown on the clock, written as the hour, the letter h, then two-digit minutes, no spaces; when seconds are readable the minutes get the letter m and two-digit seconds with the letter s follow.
10h55
